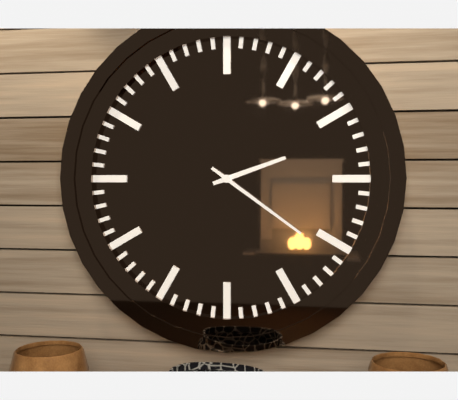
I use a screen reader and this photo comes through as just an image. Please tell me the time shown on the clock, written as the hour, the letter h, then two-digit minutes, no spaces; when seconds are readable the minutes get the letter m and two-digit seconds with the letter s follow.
2h21
